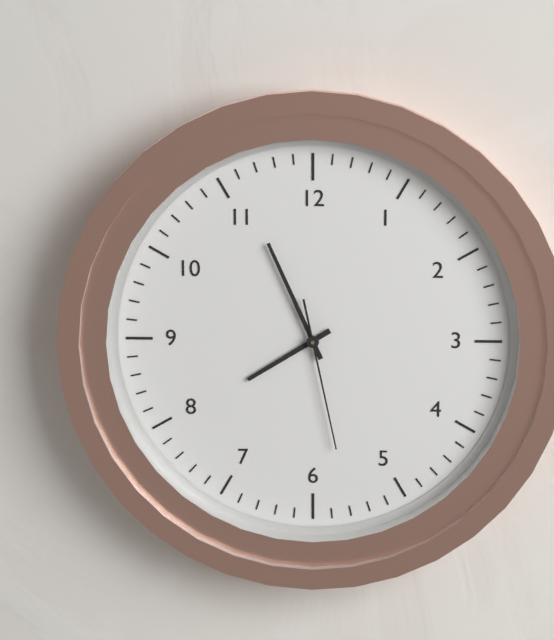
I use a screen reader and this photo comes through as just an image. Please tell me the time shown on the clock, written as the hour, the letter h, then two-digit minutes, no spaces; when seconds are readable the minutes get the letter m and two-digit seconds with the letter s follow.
7h56m28s
